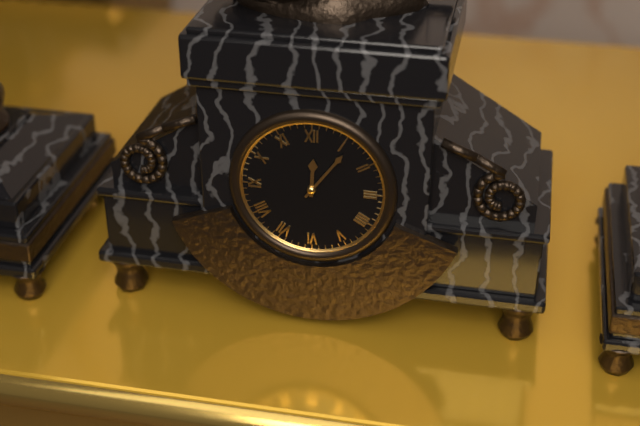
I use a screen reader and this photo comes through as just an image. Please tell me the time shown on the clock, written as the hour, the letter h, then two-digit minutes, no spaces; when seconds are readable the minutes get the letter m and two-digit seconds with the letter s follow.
12h06
